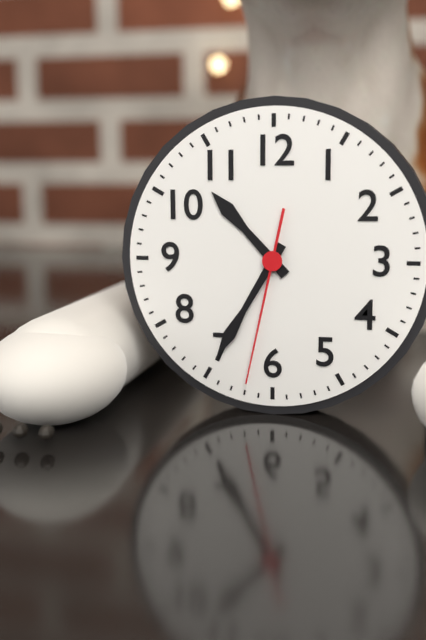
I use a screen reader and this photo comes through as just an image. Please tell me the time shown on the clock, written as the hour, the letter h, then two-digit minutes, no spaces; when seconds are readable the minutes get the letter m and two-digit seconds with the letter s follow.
10h35m32s
